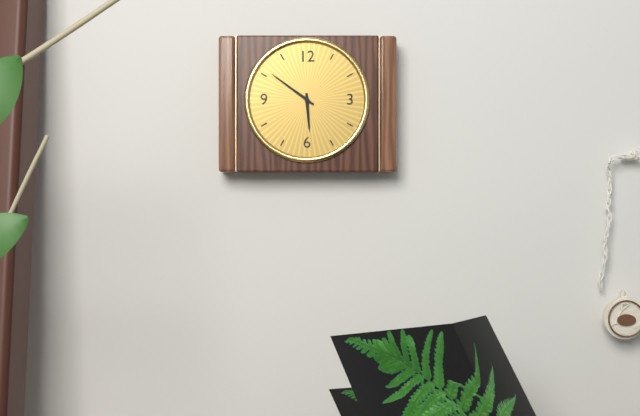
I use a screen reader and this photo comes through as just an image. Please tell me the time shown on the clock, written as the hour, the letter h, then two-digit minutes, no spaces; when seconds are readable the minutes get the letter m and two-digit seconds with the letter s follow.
5h51
